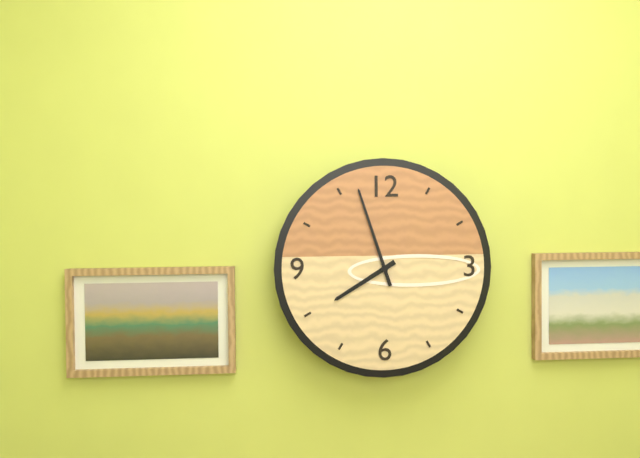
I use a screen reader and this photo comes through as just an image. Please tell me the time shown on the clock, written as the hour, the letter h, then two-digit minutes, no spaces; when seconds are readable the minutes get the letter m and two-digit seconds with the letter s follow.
7h57
